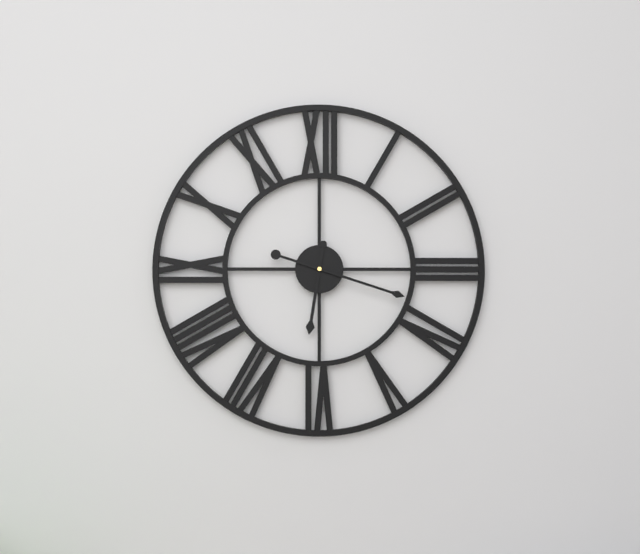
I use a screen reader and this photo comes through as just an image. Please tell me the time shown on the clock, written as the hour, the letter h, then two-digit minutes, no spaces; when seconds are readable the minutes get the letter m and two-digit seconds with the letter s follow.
6h18
